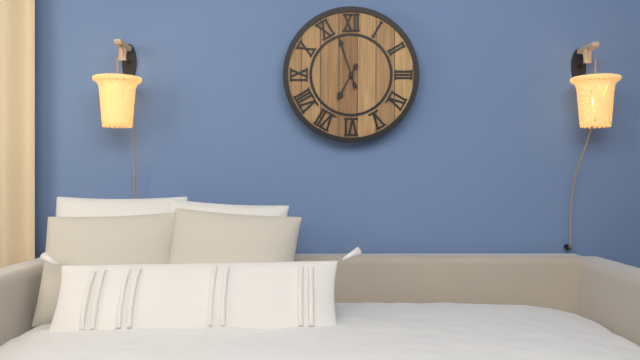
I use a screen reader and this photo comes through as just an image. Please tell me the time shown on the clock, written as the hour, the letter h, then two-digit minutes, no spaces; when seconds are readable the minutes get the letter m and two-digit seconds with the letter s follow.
6h57
